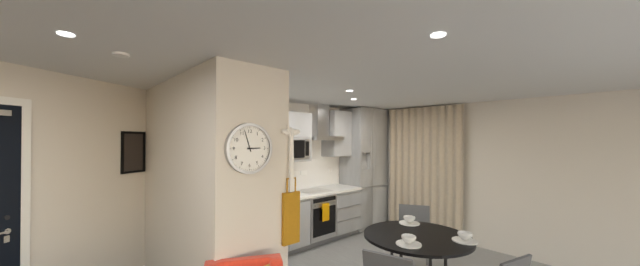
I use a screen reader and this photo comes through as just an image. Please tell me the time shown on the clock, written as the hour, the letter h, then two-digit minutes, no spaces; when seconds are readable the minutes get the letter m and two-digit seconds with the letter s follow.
2h57
